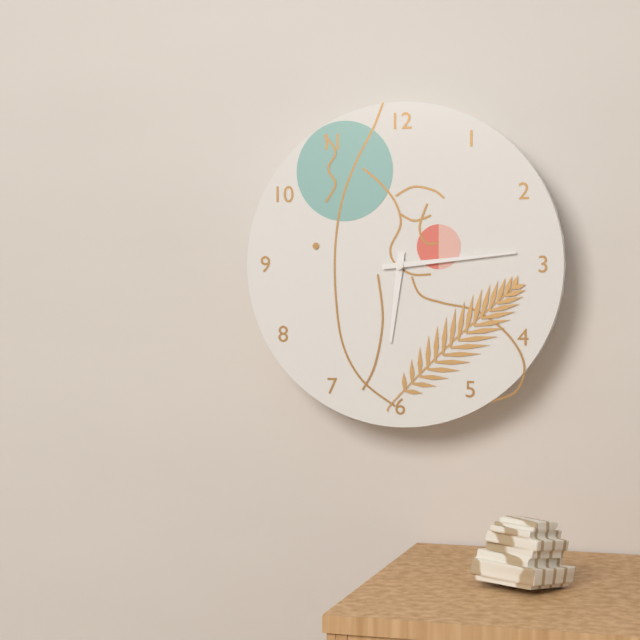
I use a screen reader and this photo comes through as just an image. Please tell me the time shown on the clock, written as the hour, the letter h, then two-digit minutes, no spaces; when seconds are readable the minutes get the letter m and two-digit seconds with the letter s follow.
6h14
